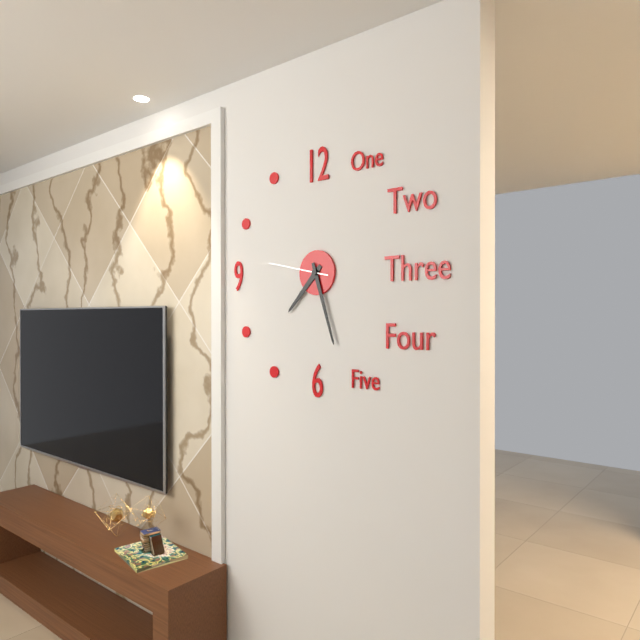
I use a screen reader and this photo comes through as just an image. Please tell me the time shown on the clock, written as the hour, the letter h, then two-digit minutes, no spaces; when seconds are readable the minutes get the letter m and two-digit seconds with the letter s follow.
7h27m47s
